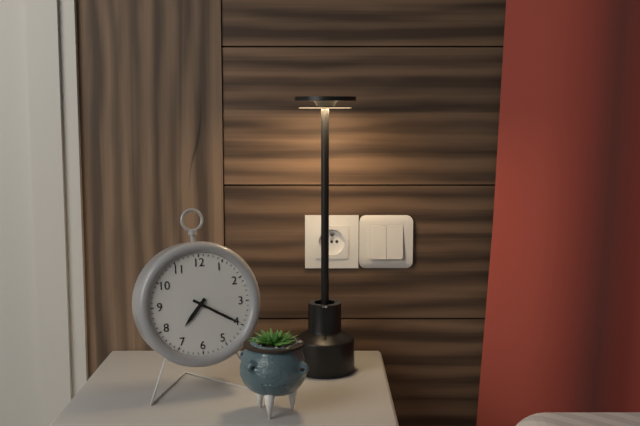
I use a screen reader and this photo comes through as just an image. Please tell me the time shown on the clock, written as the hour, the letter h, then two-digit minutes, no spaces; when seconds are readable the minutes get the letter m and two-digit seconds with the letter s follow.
7h20
